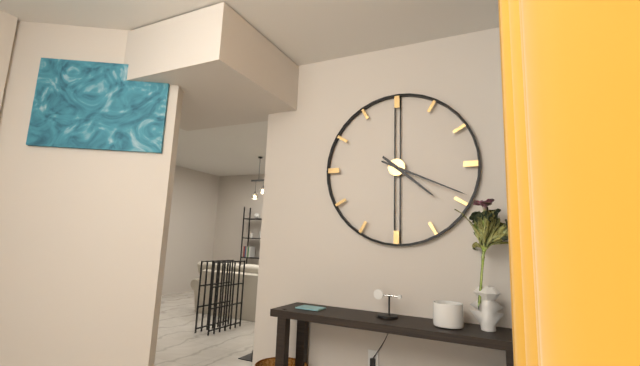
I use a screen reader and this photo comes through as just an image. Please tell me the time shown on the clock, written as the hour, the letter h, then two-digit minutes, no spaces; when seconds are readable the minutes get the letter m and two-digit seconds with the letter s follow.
4h19
